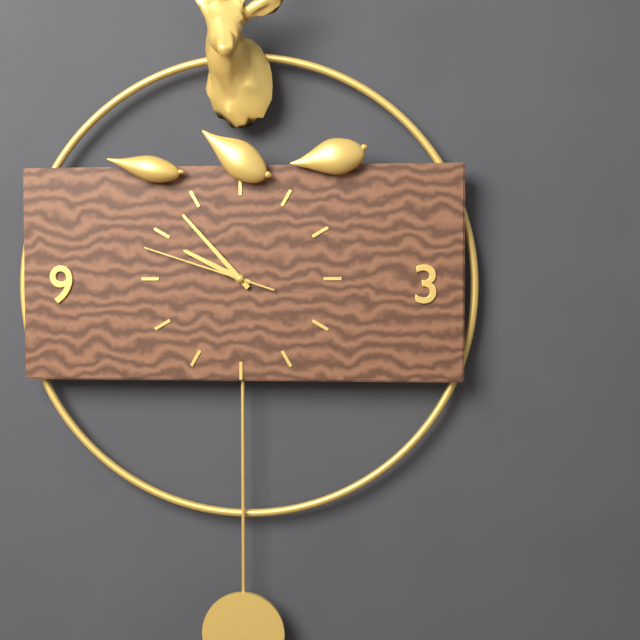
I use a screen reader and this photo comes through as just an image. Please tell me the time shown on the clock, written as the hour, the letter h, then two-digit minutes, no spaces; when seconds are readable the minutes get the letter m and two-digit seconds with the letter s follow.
9h53m48s
